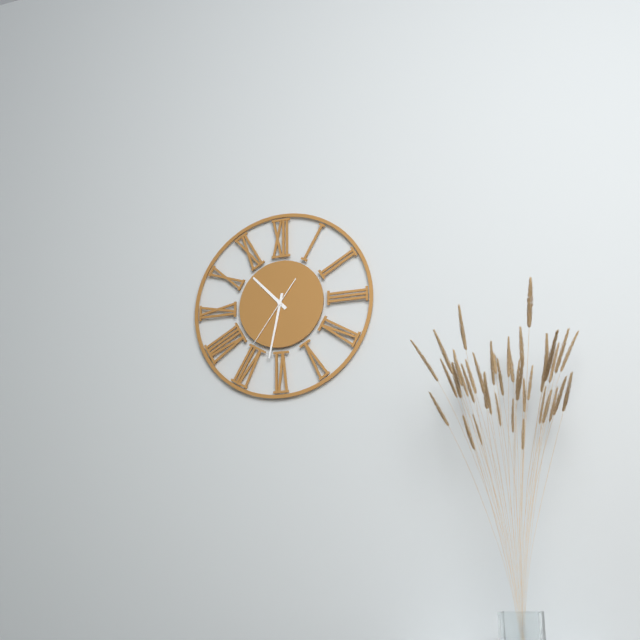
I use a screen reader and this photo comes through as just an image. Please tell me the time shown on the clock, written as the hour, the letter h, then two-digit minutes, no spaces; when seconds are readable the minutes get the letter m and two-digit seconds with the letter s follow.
10h32m36s
